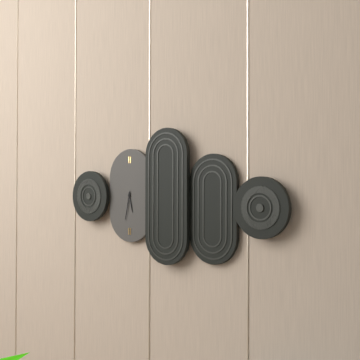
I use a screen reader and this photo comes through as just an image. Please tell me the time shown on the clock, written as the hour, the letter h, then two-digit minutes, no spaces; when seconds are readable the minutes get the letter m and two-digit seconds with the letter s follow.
5h32
